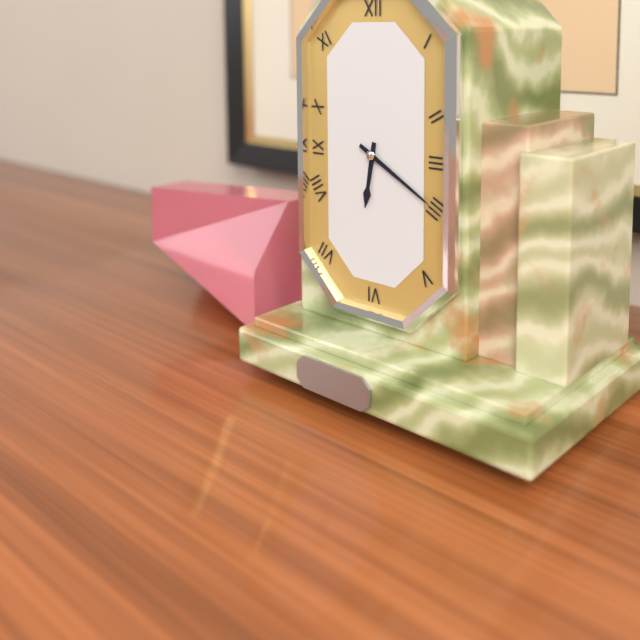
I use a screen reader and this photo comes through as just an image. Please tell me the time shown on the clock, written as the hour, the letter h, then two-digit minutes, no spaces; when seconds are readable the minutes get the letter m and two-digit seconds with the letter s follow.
6h20
